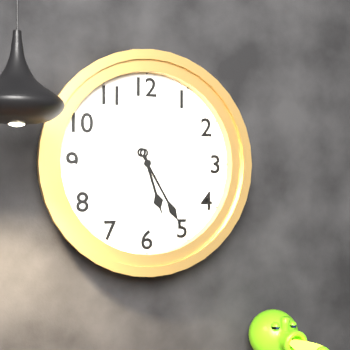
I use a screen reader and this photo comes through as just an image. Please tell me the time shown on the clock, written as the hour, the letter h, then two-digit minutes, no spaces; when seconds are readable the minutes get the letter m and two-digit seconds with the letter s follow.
5h25
